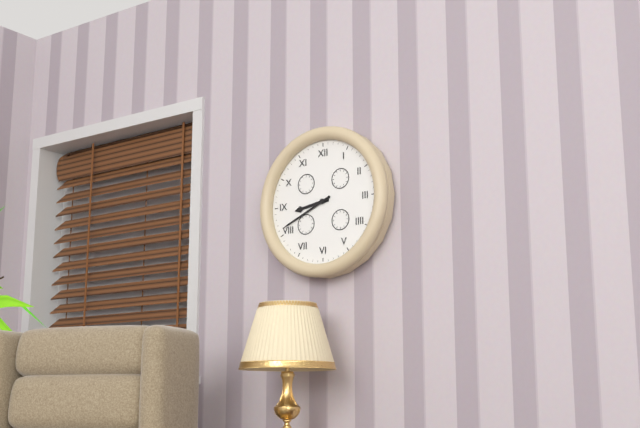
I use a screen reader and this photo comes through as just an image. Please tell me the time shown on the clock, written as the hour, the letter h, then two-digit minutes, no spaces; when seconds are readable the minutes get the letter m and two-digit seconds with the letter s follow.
8h41
